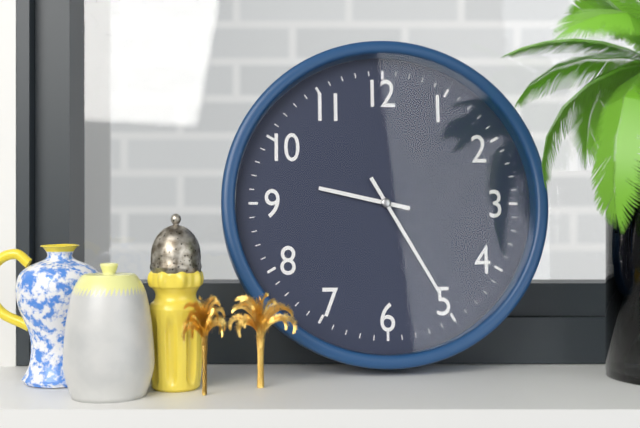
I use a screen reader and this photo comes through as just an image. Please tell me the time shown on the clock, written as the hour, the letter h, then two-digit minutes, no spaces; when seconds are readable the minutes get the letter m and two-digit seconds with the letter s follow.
9h25
